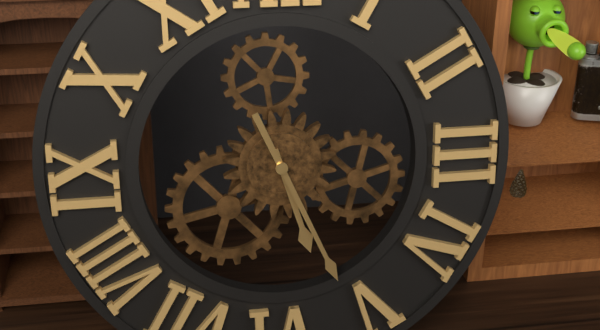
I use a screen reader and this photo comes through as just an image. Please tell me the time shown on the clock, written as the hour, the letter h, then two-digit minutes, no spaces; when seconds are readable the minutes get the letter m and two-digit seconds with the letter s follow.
5h26
